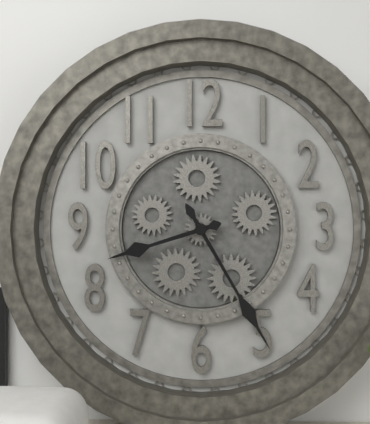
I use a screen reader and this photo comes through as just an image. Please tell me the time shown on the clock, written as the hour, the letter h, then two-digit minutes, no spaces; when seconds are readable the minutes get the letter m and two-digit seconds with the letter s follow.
8h25
